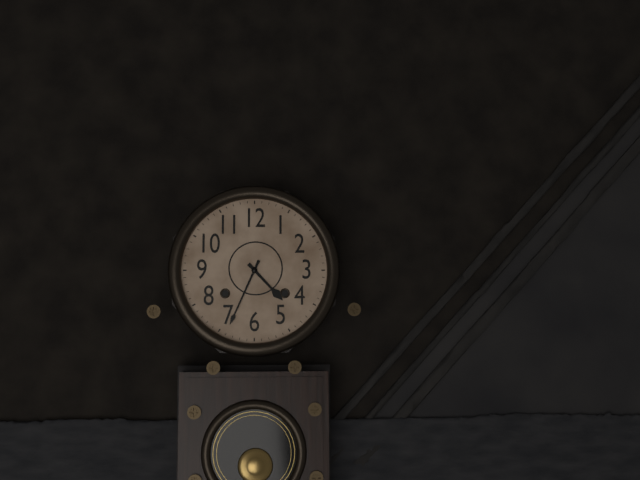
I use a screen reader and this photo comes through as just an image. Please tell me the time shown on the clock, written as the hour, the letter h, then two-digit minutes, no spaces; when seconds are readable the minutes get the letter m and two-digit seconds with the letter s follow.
4h34
